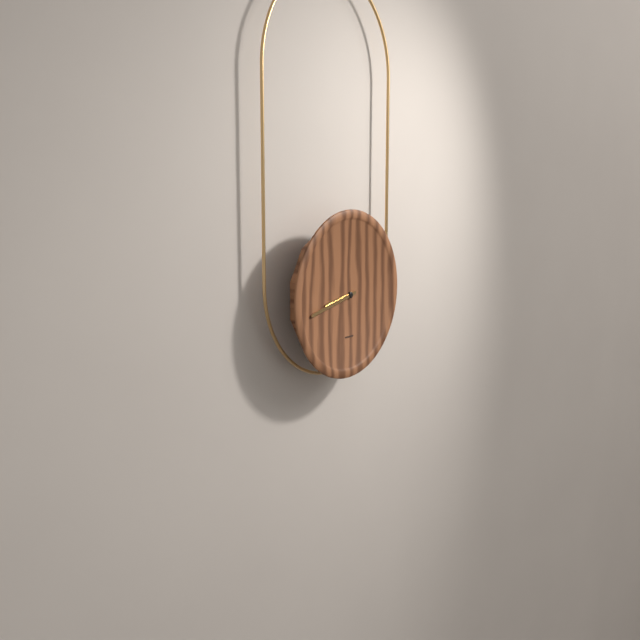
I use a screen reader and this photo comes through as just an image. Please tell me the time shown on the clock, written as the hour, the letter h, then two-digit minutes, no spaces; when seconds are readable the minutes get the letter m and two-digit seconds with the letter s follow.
8h43
